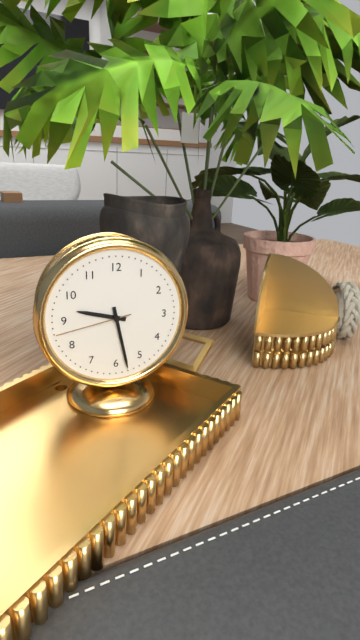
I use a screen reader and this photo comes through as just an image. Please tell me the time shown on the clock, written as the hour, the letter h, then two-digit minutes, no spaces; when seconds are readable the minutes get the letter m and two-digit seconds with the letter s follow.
9h28m43s
